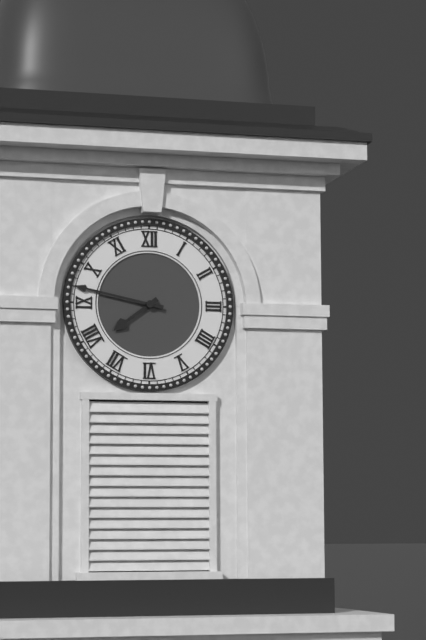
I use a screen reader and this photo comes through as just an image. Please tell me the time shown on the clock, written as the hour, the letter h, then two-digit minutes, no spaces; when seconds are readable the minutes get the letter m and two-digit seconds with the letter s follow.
7h47
